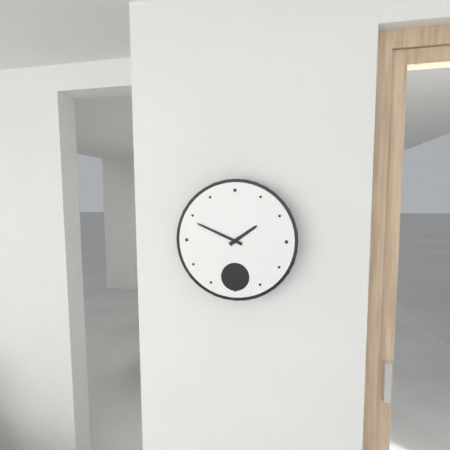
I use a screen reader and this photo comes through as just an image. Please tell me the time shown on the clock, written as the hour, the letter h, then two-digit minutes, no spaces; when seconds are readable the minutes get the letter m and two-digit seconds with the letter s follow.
1h49
